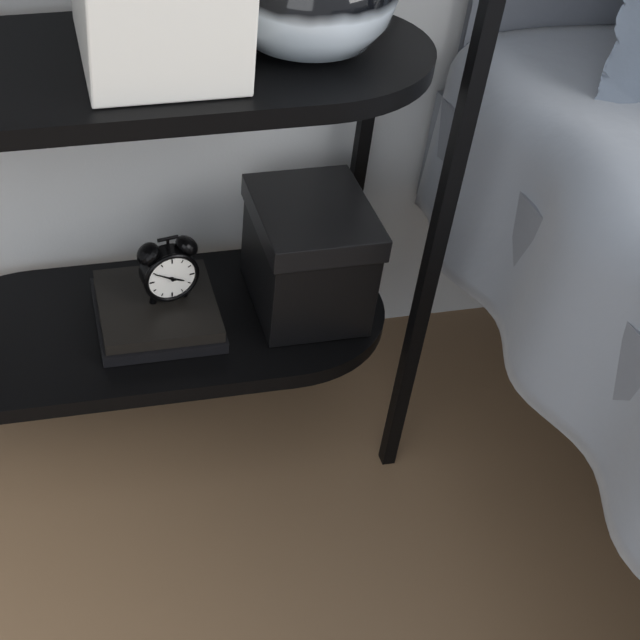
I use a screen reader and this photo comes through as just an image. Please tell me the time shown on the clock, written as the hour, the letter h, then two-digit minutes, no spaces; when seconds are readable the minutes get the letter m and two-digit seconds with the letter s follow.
3h50
